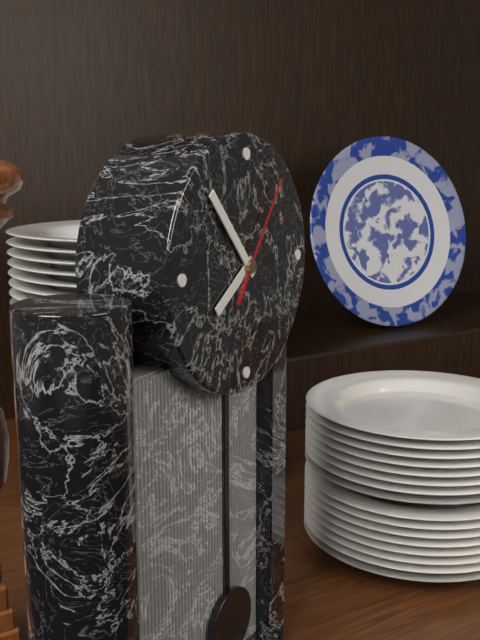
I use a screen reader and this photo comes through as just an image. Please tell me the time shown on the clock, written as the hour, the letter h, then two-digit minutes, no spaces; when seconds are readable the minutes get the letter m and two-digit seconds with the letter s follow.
7h53m06s
